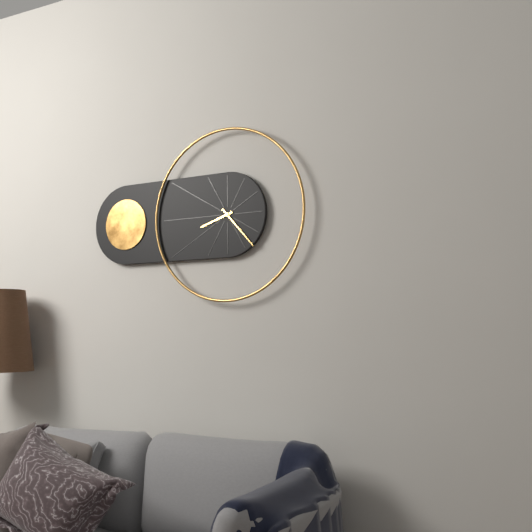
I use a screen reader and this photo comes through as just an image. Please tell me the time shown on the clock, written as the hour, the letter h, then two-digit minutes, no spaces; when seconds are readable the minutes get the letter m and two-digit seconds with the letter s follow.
8h23
